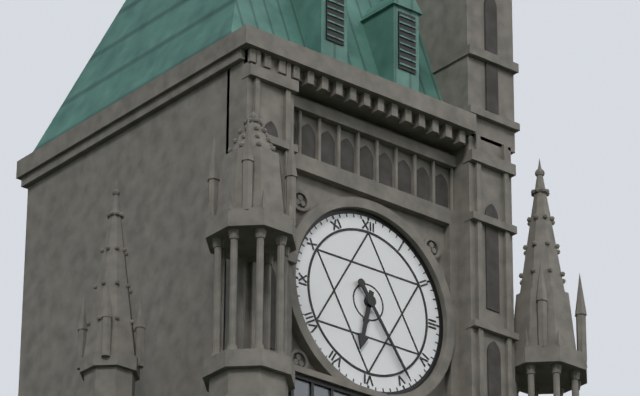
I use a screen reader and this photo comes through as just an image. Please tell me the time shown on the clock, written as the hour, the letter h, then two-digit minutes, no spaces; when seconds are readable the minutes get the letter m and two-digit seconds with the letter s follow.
6h24
